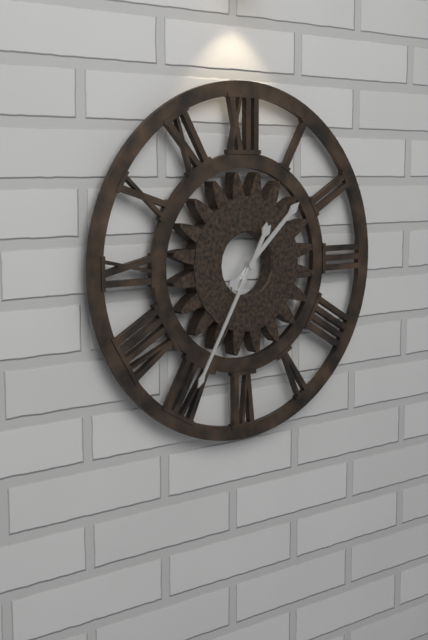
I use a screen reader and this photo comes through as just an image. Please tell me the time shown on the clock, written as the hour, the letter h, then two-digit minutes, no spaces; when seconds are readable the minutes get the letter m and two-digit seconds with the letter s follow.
1h35
